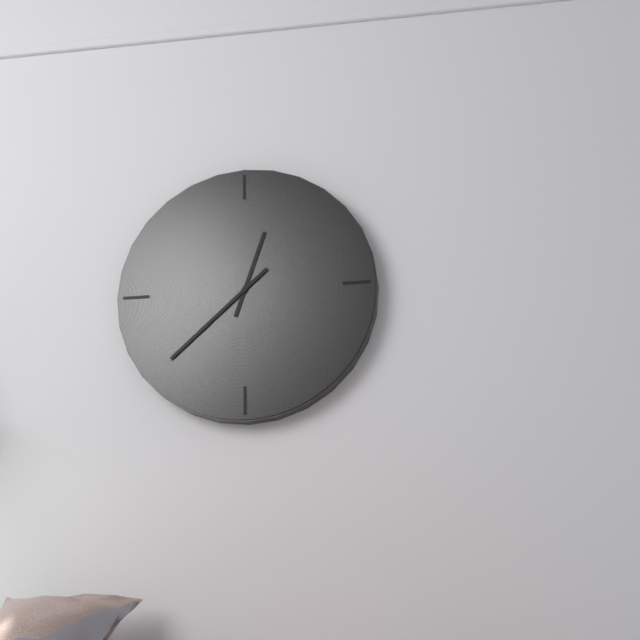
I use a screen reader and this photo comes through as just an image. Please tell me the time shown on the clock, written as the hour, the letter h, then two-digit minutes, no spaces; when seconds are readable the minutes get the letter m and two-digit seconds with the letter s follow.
12h38
